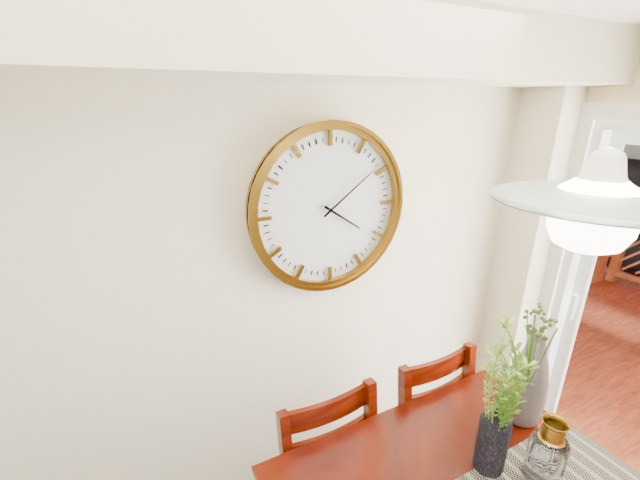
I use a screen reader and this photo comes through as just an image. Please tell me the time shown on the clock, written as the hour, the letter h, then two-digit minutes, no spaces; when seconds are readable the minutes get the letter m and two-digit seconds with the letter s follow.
4h09
